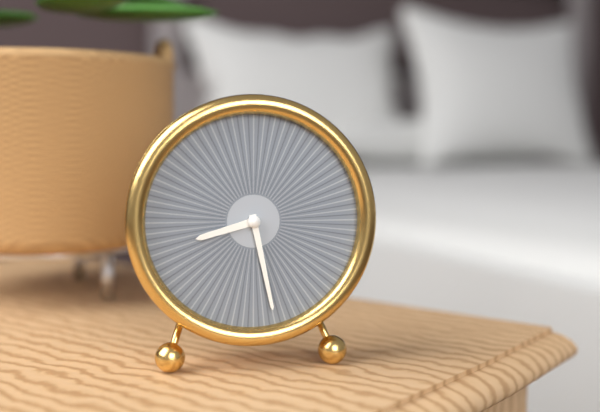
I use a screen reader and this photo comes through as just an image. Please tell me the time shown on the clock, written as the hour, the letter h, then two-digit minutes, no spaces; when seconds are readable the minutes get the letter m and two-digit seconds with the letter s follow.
8h28
